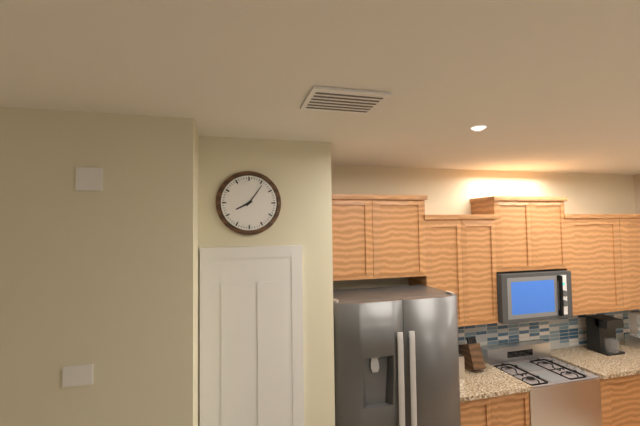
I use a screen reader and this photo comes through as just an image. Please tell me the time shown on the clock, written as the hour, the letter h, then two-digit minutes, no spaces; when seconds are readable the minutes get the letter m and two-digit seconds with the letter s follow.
8h06
